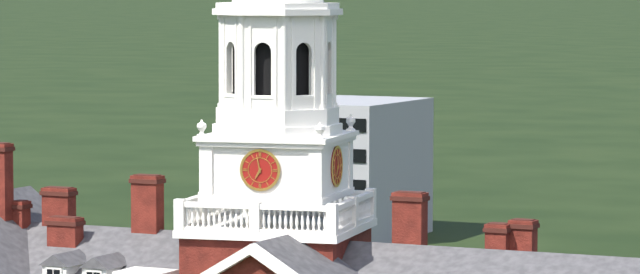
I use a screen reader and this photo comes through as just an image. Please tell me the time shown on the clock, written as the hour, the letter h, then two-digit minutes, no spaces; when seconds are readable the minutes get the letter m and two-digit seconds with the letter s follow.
6h58
